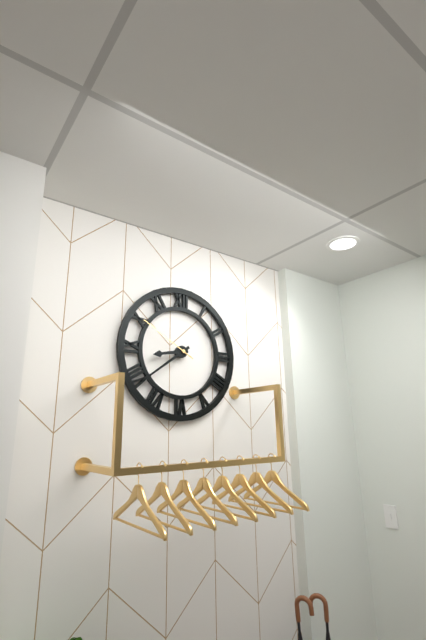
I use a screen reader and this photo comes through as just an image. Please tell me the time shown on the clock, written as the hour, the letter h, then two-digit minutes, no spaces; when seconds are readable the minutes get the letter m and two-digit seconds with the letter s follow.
8h39m50s
